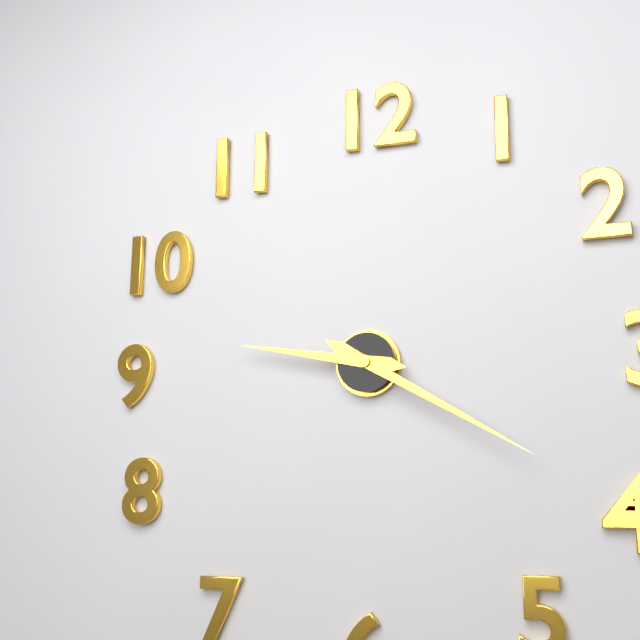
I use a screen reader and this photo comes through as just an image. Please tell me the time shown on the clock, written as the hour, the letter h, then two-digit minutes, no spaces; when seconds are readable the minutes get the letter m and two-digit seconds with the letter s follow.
9h20
